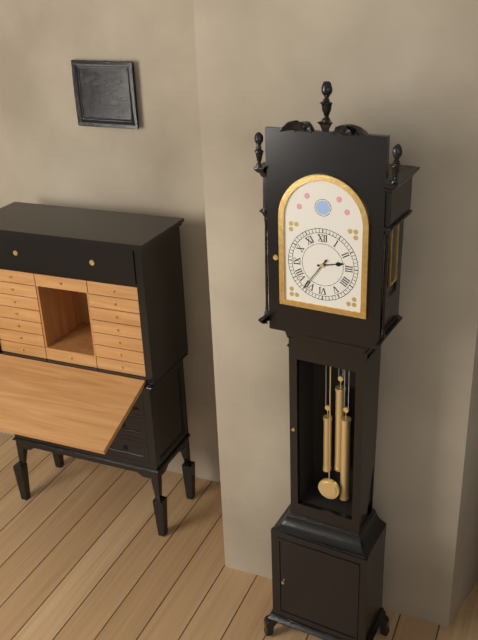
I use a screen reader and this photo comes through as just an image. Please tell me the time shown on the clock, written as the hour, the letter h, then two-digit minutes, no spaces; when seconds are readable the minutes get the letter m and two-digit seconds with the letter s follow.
2h36
